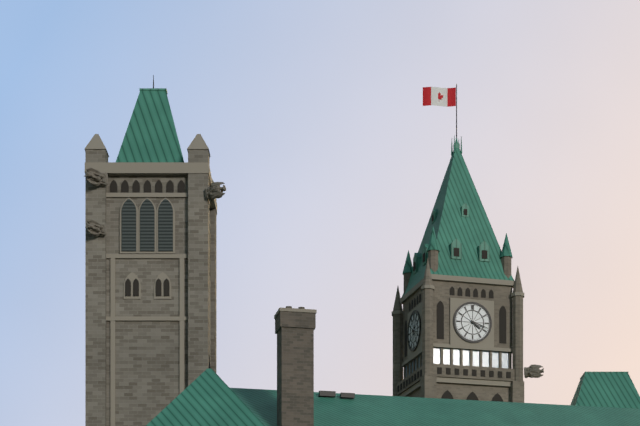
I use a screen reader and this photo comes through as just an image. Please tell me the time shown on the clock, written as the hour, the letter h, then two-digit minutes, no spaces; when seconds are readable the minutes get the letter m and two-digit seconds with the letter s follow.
4h18
